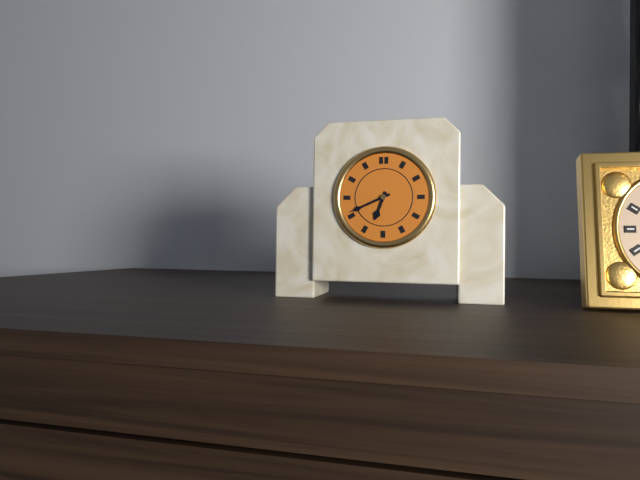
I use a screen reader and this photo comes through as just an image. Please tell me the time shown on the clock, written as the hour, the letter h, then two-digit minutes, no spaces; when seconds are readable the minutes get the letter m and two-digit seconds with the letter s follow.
6h41
